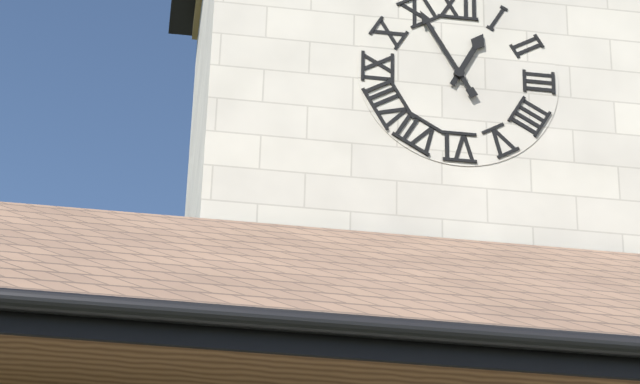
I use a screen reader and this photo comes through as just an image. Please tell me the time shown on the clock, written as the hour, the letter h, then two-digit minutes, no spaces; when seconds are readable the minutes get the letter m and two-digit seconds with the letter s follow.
12h55
